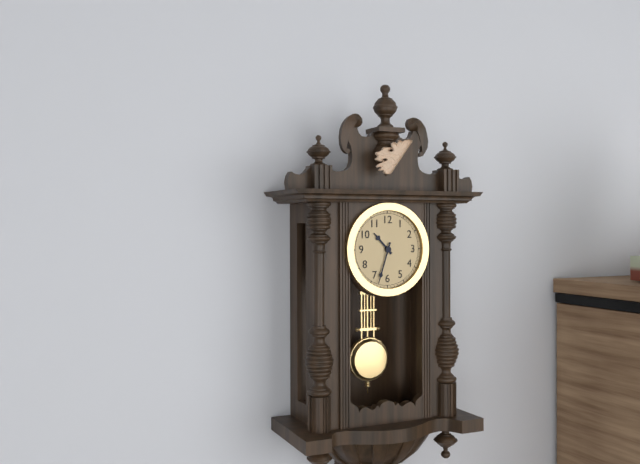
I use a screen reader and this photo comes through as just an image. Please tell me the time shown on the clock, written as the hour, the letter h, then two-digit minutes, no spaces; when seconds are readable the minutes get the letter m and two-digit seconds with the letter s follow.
10h33
